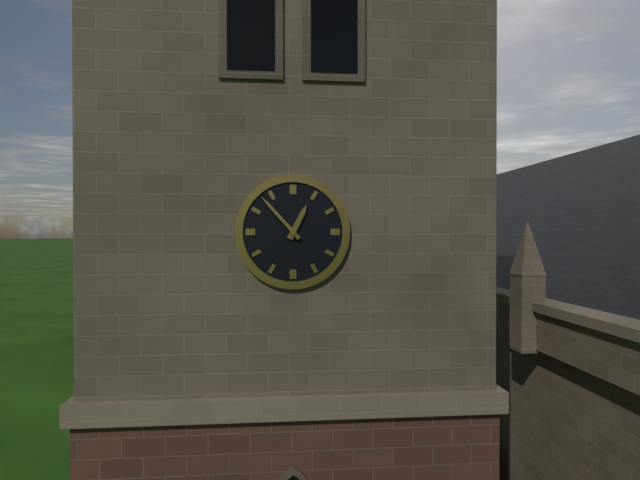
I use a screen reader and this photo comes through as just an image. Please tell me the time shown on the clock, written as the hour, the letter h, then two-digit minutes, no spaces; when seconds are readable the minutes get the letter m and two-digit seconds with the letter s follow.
12h53
